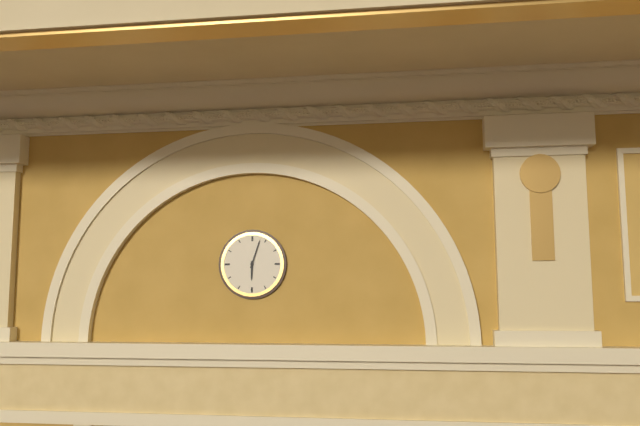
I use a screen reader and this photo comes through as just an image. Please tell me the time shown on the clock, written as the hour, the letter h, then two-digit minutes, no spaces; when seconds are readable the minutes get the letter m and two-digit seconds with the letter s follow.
6h03
